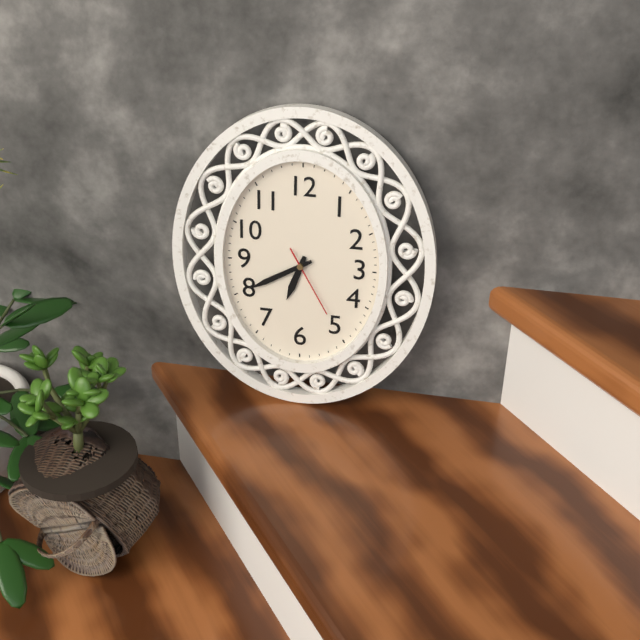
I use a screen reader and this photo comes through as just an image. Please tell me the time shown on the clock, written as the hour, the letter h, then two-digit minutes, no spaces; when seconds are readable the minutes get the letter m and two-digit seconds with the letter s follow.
6h40m25s
